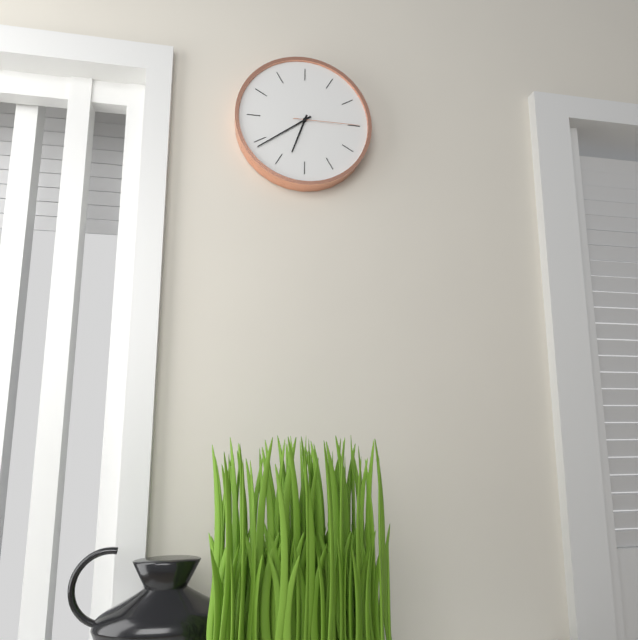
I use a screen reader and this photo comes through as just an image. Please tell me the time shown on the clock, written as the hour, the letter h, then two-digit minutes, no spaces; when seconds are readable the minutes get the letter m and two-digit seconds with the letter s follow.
6h39m15s
